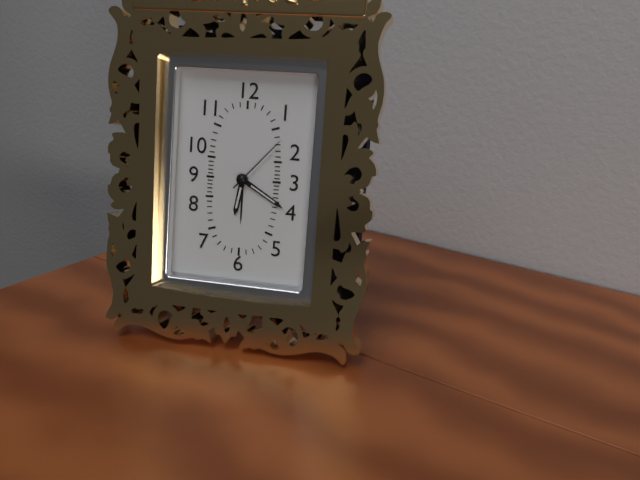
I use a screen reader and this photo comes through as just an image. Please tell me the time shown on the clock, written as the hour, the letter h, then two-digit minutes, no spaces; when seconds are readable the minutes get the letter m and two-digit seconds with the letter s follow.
6h20m07s
